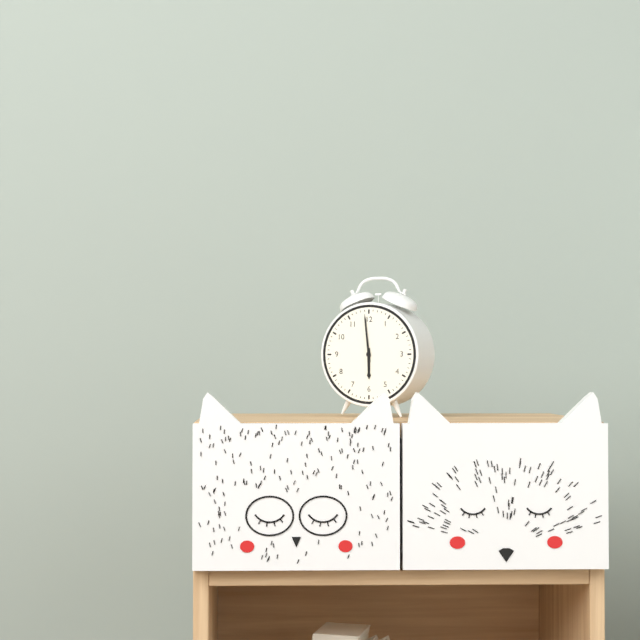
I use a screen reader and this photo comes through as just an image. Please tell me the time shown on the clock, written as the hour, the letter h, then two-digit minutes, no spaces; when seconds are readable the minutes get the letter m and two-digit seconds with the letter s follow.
5h59
